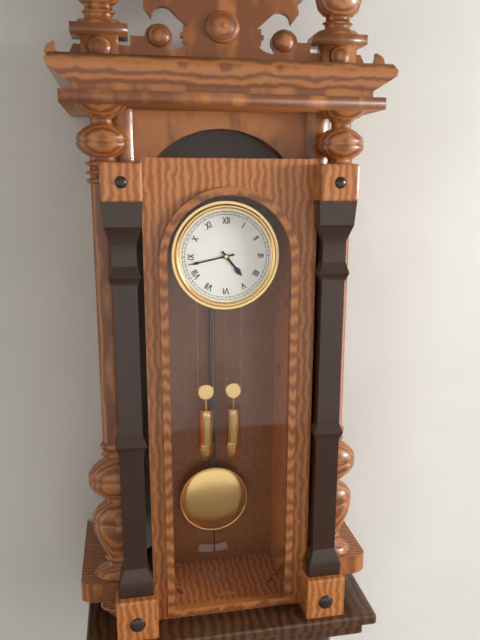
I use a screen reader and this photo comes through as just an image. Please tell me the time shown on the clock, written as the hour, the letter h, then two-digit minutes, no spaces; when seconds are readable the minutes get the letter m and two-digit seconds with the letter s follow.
4h43
